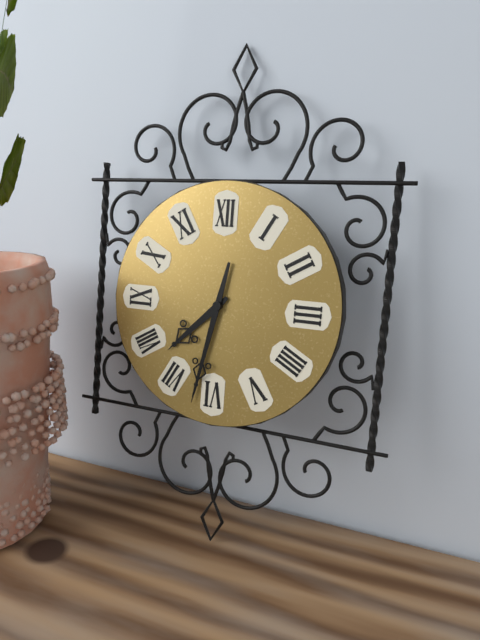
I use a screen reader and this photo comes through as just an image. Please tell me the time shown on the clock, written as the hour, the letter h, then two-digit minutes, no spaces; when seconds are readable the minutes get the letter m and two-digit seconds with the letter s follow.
7h32
